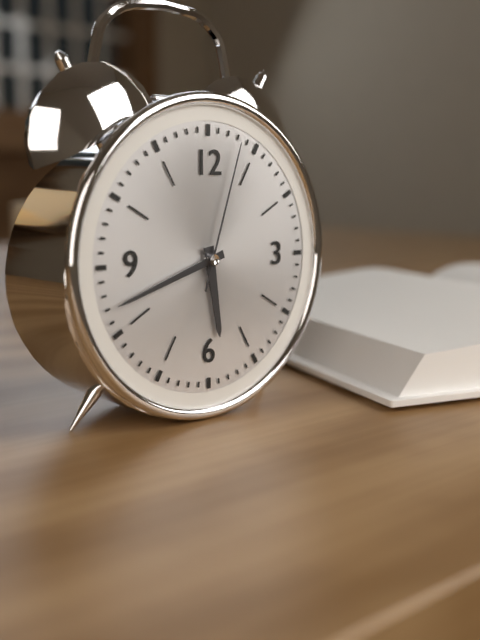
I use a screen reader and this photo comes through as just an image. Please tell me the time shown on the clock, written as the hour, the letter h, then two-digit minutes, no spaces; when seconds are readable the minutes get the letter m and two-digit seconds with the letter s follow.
5h42m03s
